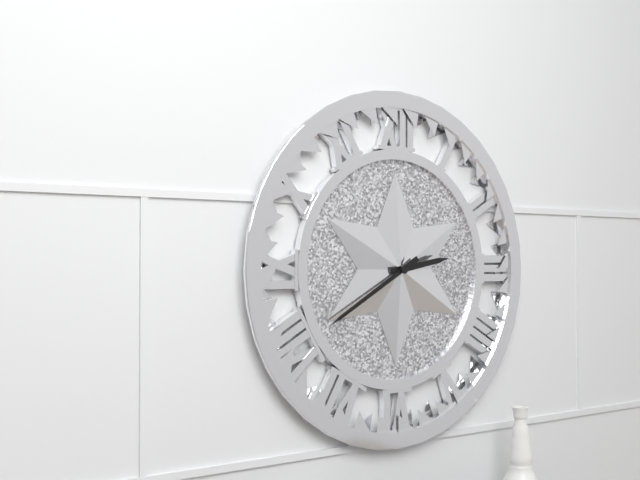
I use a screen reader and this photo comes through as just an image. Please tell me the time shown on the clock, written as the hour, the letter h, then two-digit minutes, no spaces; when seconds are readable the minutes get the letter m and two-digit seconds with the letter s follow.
2h40
